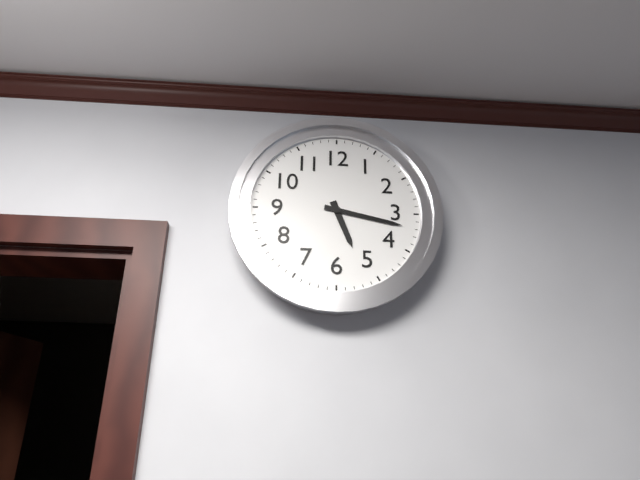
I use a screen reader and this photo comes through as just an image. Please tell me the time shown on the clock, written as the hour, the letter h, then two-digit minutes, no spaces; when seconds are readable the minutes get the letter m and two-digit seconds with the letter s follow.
5h17
